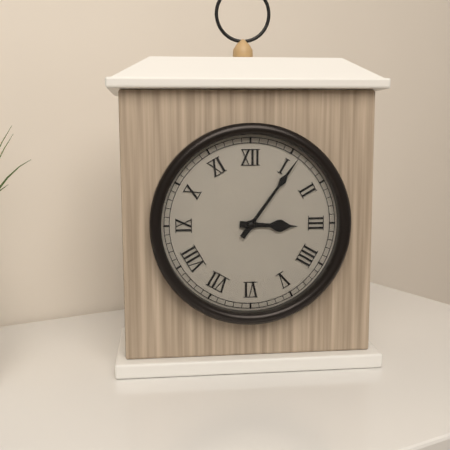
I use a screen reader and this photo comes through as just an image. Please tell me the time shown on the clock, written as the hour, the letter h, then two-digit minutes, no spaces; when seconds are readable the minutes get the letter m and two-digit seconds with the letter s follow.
3h06
